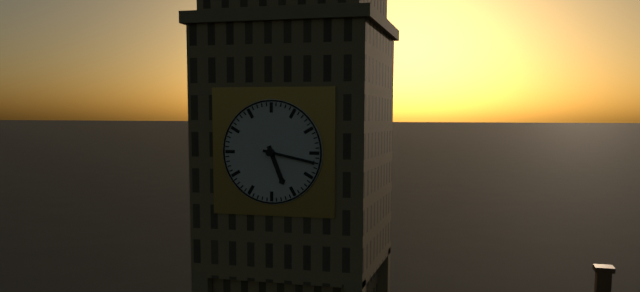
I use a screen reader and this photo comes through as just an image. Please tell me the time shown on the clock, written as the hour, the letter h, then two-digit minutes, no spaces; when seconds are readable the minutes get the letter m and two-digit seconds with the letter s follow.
5h17
